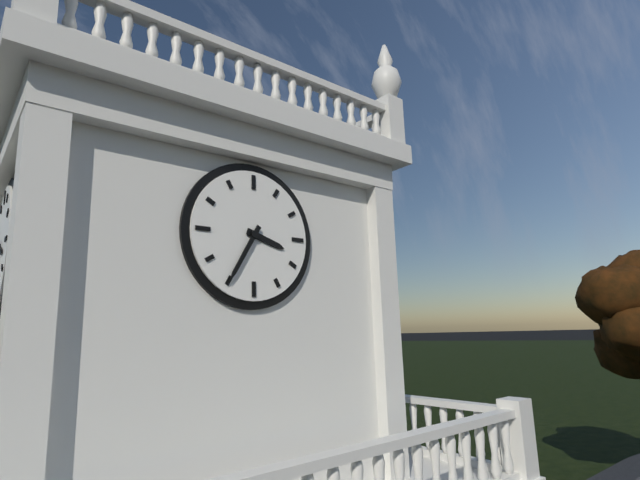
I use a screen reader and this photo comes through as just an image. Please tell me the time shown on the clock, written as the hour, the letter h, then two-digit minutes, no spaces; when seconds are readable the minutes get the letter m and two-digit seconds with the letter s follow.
3h35
